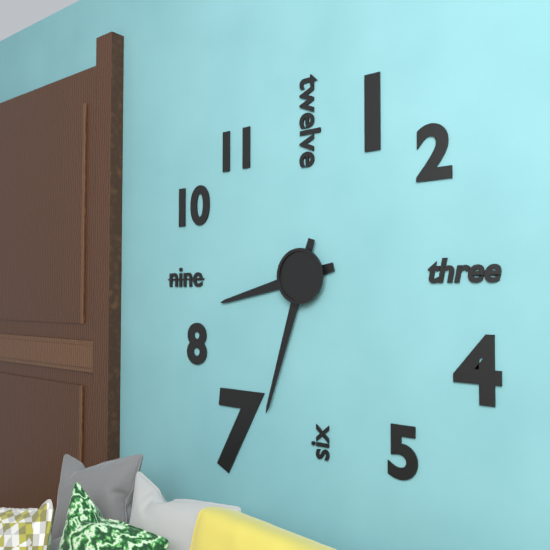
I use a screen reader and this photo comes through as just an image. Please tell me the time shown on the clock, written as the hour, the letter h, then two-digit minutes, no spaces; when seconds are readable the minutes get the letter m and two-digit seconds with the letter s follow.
8h33
